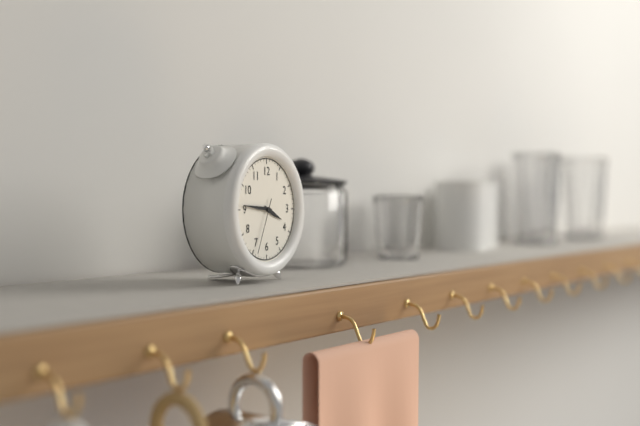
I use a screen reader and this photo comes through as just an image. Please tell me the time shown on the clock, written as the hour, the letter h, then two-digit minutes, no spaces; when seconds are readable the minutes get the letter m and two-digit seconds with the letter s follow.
3h46m34s
